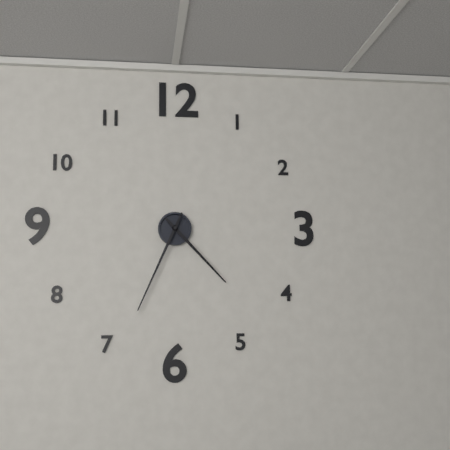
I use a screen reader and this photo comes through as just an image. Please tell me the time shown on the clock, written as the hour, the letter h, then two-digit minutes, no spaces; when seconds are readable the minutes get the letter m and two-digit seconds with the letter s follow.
4h34
